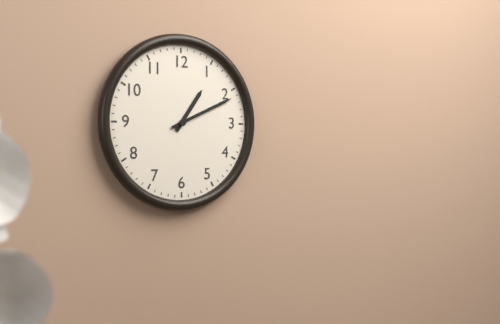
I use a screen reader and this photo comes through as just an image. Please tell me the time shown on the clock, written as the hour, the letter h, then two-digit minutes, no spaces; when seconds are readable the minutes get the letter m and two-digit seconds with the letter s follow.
1h11
